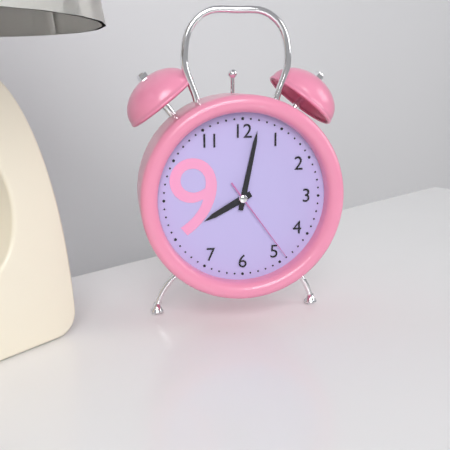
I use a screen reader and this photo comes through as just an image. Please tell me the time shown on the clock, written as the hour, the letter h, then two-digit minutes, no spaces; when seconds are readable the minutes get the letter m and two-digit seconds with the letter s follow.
8h02m24s
